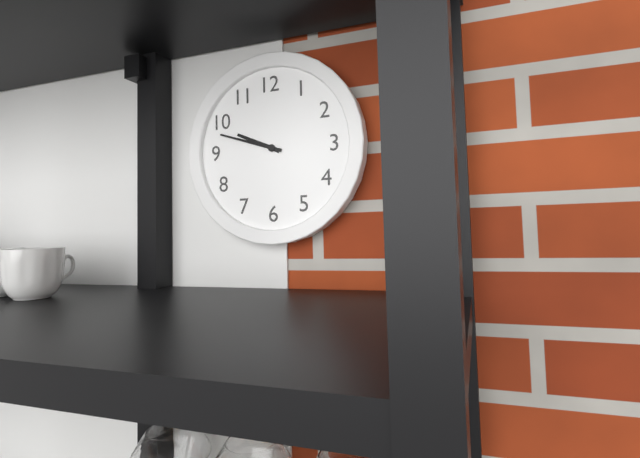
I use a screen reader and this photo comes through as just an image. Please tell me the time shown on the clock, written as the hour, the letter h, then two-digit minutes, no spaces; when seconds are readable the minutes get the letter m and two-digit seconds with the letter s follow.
9h48
